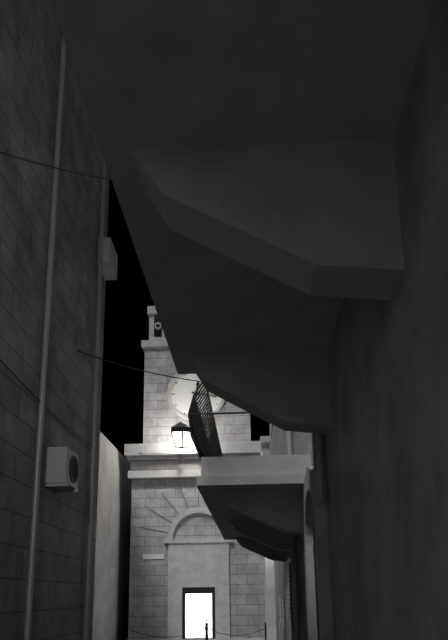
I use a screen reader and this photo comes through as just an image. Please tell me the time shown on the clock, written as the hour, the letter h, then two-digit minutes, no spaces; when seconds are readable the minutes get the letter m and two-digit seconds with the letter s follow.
12h17
